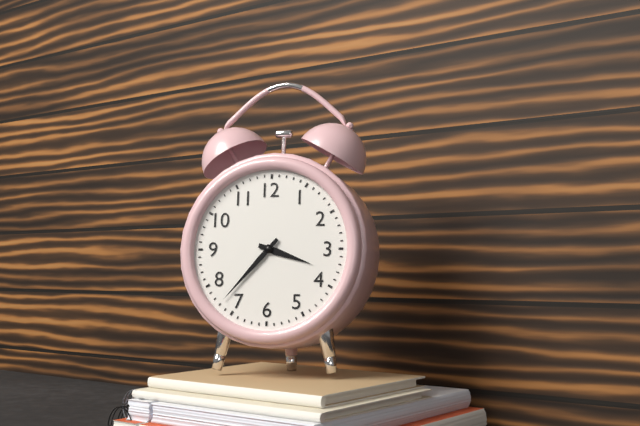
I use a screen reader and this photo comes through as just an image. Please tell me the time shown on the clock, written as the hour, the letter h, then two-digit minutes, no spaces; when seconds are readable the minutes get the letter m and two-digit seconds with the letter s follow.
3h37
